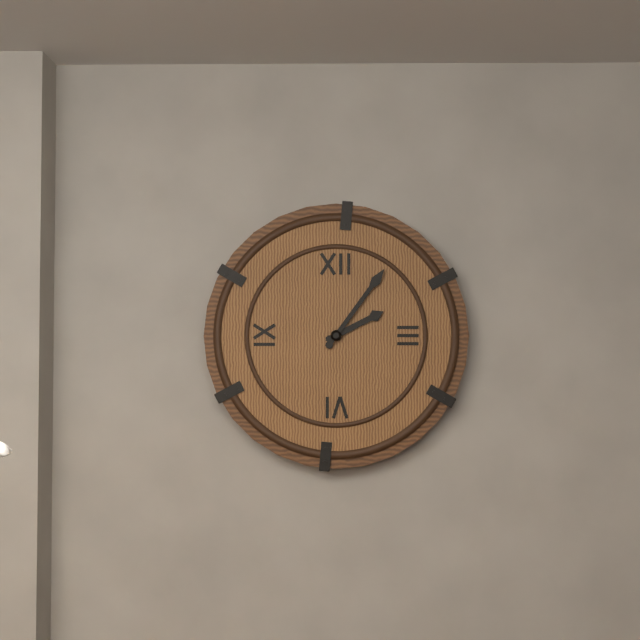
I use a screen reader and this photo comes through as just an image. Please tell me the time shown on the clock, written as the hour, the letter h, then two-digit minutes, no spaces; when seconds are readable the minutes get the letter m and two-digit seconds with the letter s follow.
2h06
